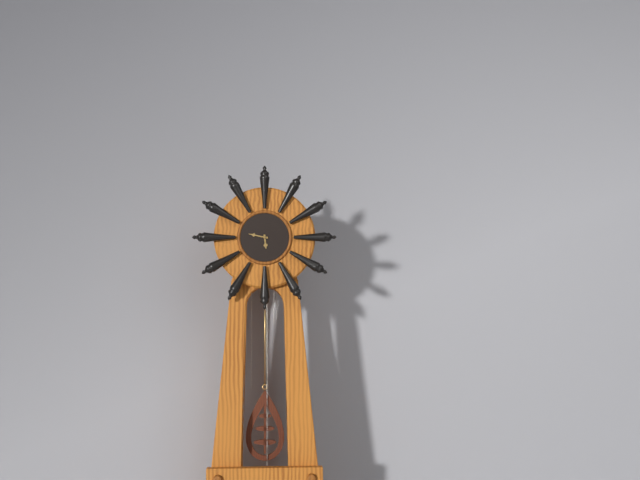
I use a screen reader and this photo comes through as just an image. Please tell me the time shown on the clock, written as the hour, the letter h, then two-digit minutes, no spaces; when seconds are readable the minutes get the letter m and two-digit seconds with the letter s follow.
5h47
